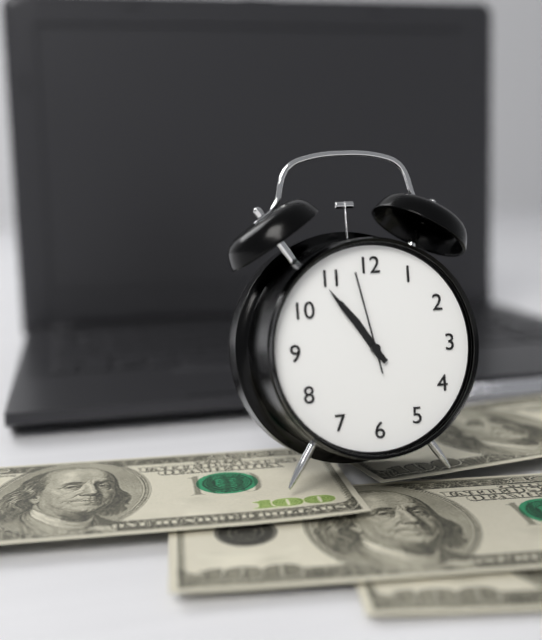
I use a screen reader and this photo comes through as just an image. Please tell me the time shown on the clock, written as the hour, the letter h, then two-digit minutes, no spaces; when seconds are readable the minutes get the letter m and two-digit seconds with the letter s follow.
10h54m58s
